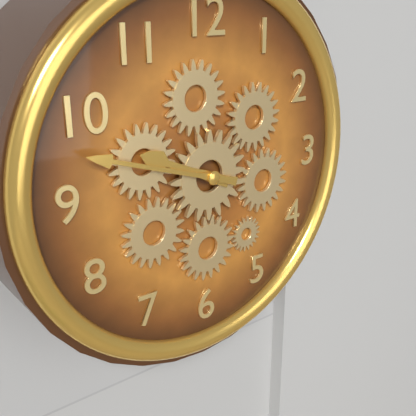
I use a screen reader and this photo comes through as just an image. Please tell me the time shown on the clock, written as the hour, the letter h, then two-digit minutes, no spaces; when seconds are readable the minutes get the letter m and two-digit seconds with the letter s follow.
9h48
